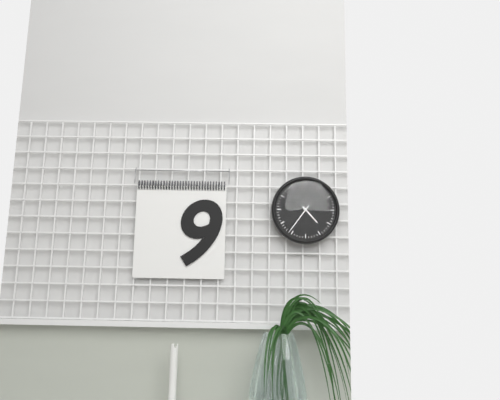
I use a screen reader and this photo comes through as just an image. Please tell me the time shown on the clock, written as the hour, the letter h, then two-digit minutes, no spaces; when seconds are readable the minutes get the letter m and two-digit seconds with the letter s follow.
4h36
